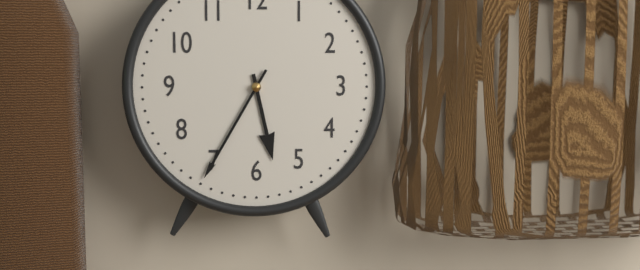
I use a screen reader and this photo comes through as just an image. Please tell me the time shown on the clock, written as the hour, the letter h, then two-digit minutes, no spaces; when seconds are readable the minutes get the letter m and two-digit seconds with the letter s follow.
5h35
